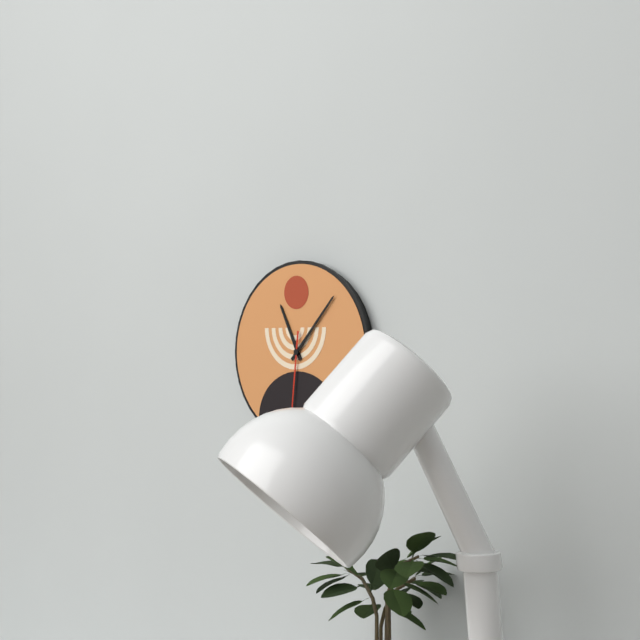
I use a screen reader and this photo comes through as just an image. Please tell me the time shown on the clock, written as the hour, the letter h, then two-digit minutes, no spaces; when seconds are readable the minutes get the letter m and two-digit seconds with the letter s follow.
11h07m31s
